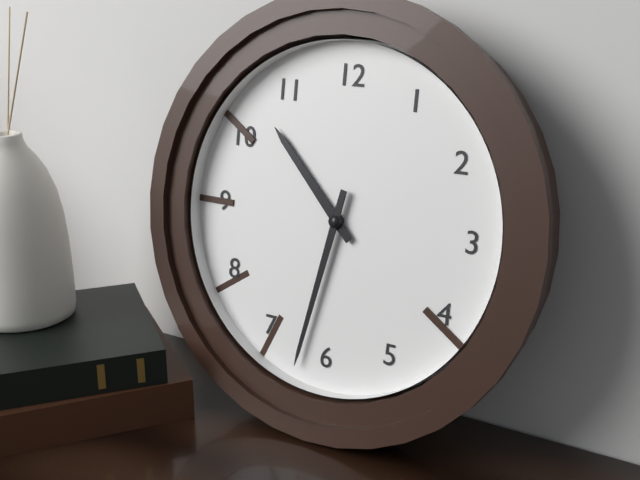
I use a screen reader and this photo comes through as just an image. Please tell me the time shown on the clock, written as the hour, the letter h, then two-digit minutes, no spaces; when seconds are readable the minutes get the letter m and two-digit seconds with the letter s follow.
10h32
